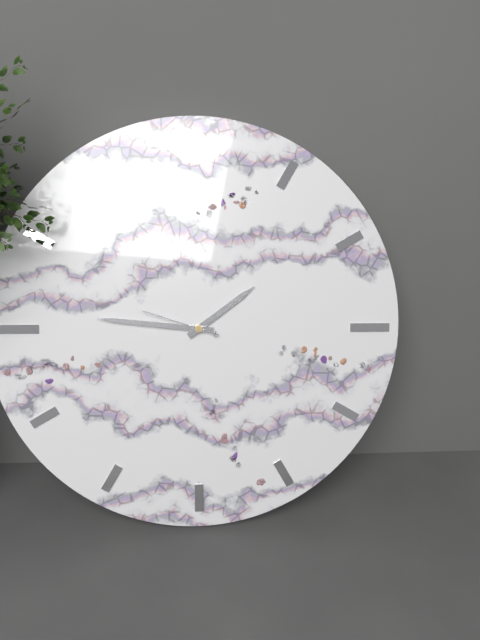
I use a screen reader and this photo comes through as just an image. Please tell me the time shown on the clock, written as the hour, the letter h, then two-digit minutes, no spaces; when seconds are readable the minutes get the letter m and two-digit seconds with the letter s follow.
1h46m48s
